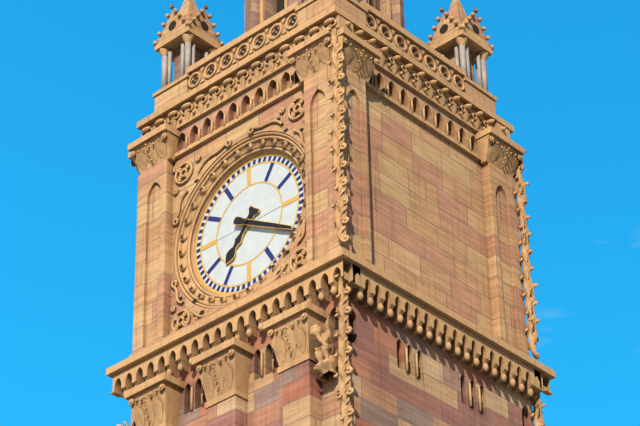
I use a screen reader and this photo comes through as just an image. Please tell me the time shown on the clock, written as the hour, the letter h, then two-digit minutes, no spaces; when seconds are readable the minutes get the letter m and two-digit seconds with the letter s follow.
7h20
